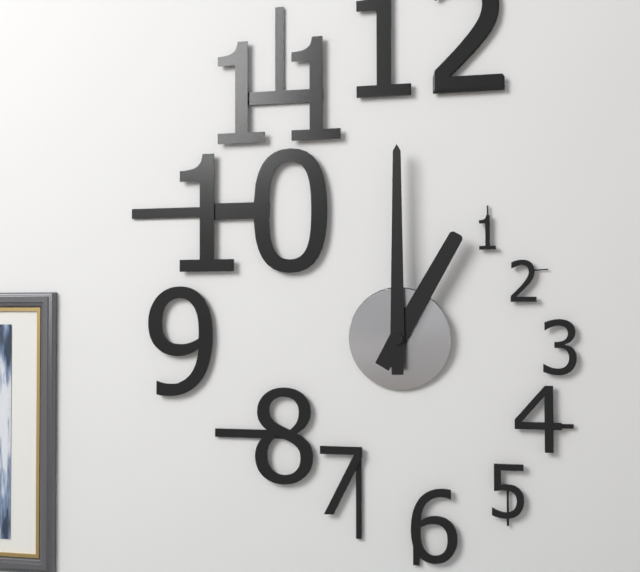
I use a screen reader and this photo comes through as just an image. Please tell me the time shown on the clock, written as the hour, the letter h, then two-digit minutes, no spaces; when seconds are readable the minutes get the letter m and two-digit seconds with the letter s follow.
1h00
